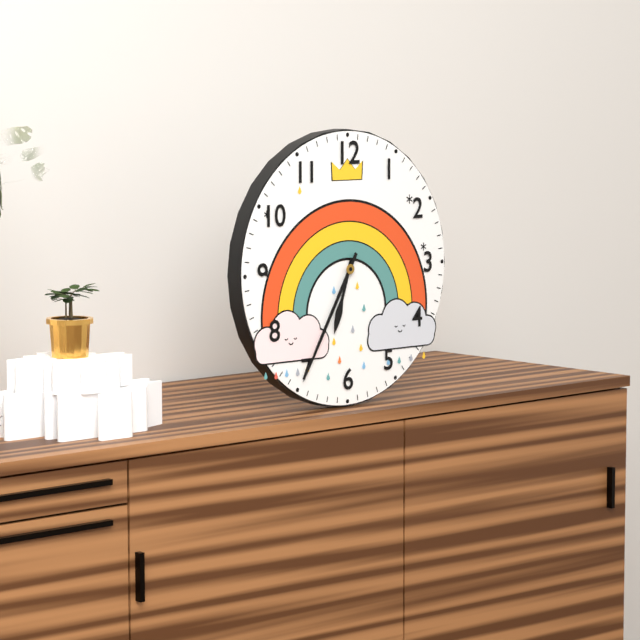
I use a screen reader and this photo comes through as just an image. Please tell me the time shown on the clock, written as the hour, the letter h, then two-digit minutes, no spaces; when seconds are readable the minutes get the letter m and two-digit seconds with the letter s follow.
6h35
